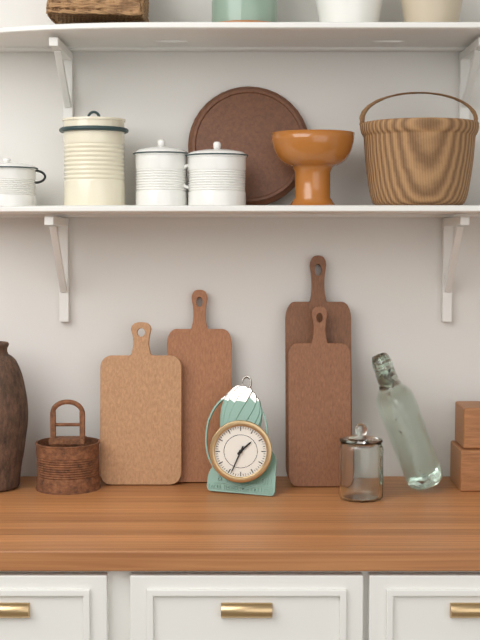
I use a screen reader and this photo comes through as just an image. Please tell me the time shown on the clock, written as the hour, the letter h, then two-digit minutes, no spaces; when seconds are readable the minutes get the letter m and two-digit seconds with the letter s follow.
1h34
